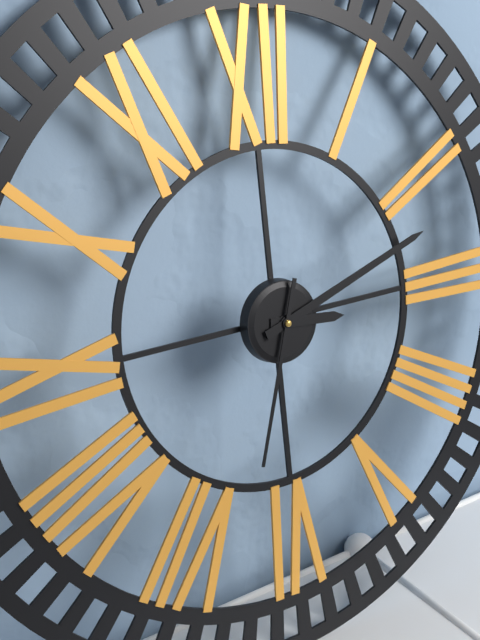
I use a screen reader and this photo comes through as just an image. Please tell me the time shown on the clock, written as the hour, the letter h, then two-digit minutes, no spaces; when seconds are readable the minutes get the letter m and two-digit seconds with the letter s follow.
3h12m33s
